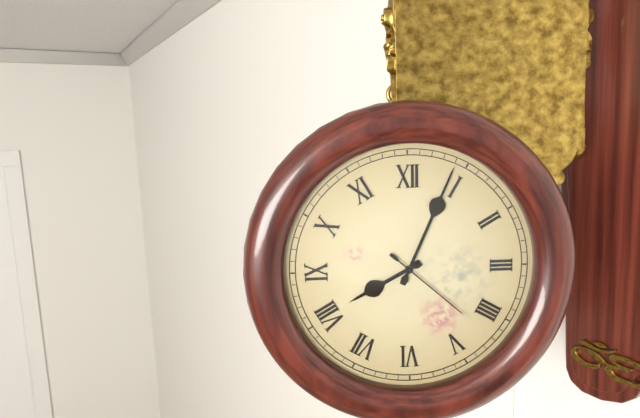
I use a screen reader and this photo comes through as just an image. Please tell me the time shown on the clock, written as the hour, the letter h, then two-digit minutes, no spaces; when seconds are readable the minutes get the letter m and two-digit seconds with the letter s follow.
8h04m22s
